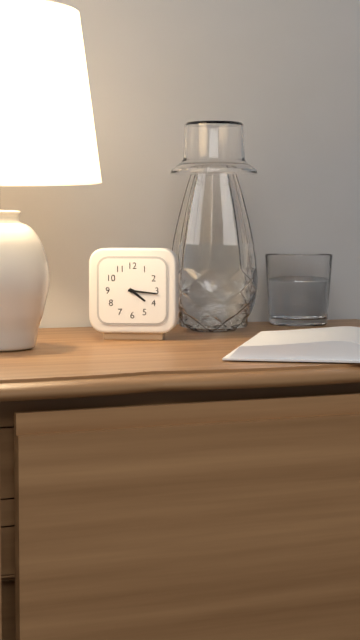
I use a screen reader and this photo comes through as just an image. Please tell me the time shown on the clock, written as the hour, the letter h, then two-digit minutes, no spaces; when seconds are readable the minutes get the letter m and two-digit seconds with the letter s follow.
4h16
